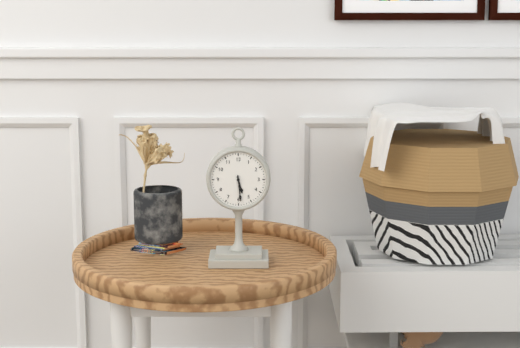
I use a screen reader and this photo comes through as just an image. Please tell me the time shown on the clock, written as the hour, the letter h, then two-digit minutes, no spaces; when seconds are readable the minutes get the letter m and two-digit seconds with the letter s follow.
5h29
